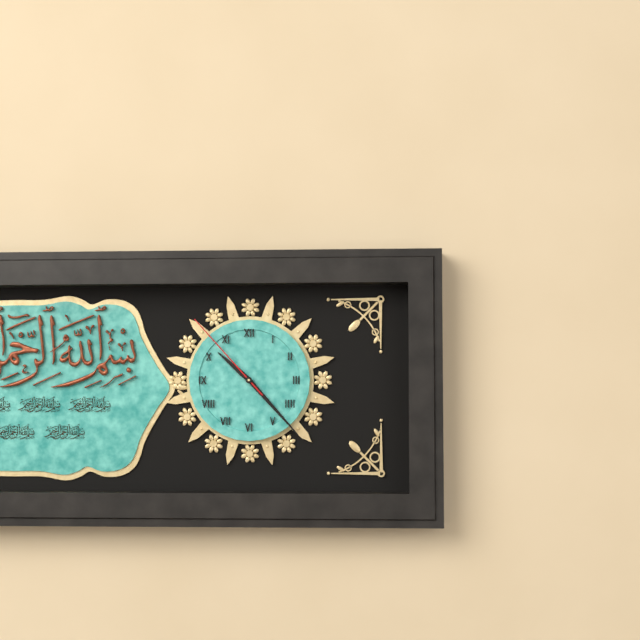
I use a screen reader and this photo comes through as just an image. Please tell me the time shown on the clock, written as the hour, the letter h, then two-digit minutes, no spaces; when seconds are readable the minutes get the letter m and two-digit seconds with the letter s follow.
10h23m53s
